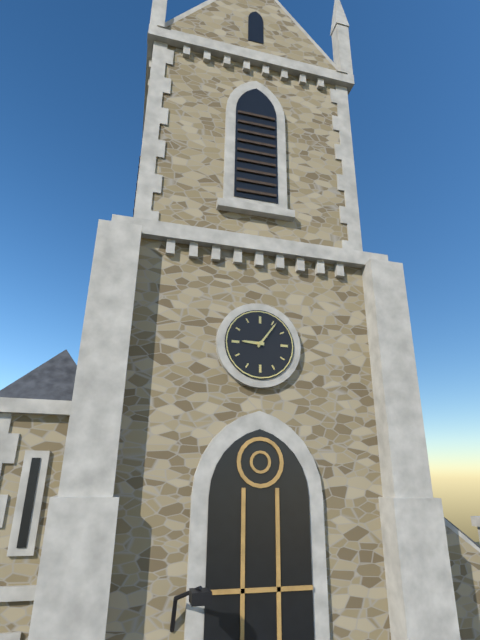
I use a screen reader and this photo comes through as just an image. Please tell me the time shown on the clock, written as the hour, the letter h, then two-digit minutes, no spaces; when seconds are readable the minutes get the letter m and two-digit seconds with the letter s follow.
9h06
